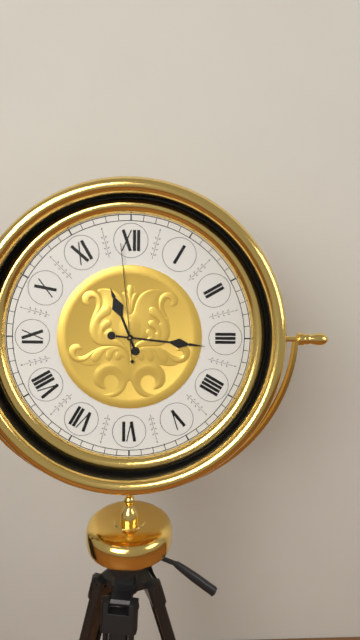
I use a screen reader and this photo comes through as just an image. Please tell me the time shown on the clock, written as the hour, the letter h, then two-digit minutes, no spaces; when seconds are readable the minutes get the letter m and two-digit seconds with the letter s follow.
11h16m59s
